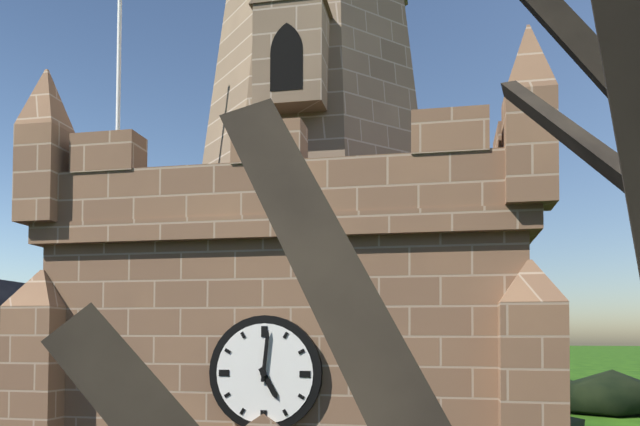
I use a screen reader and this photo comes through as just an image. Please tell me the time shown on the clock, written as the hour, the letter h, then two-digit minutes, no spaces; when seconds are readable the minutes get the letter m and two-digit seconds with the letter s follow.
5h01
